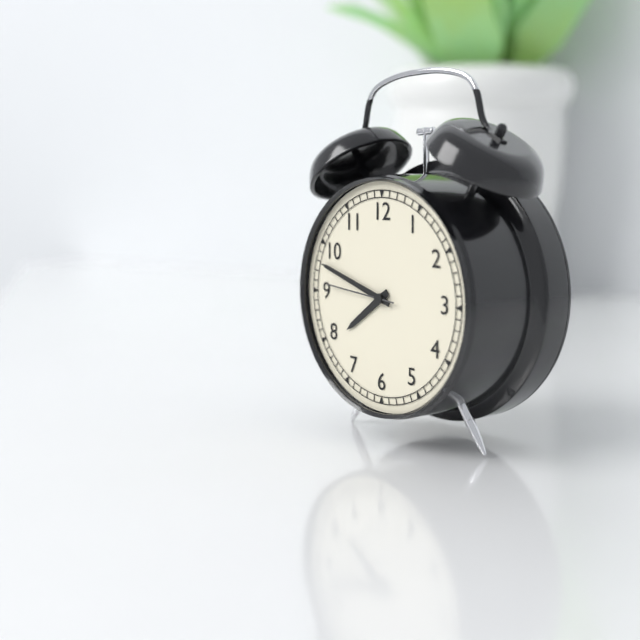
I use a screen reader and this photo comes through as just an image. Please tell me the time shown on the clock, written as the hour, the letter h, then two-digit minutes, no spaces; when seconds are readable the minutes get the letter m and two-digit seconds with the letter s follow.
7h48m46s
